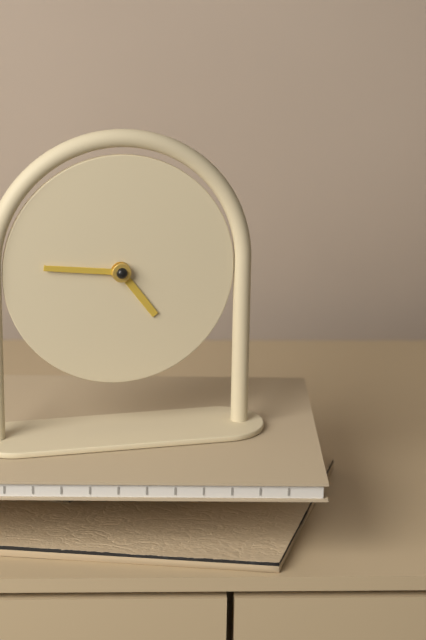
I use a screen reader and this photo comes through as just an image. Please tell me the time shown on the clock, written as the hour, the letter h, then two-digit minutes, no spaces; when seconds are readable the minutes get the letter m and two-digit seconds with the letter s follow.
4h46
